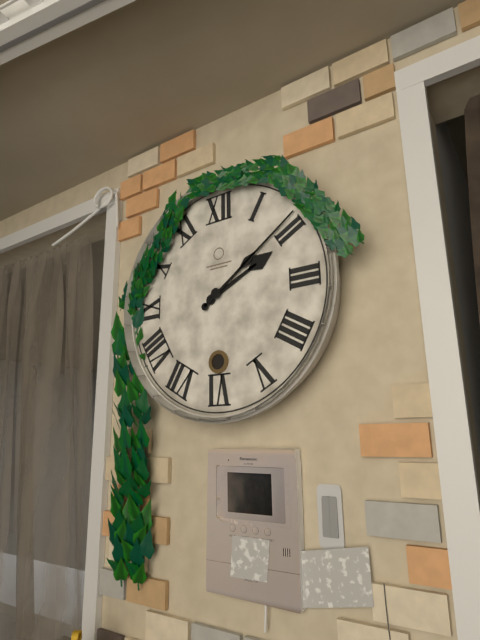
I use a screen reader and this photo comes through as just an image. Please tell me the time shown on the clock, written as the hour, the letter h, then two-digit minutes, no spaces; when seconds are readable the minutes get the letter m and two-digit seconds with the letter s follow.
2h09
